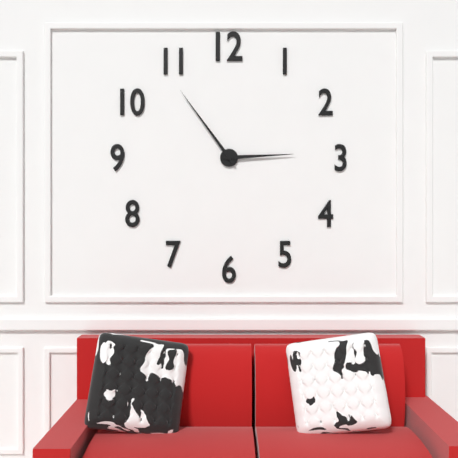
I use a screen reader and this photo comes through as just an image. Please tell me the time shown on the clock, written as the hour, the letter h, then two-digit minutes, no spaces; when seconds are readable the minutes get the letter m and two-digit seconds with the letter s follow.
2h54
